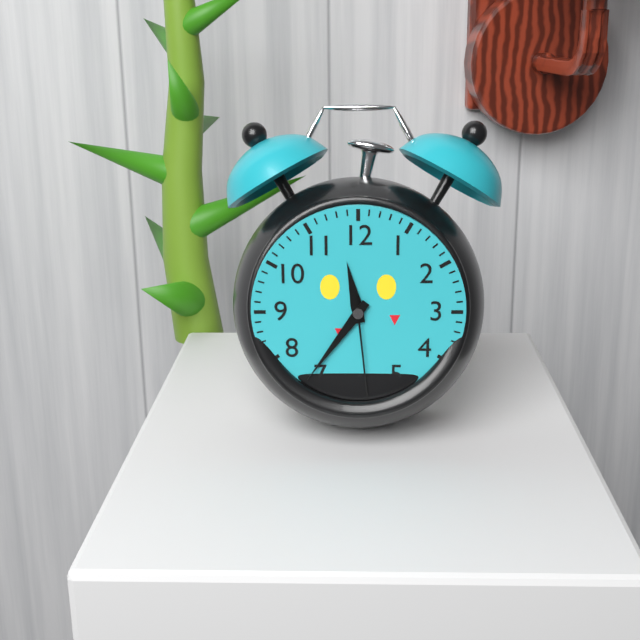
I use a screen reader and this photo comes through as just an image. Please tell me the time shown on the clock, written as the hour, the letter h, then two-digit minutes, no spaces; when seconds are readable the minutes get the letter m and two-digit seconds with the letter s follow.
11h36m29s
